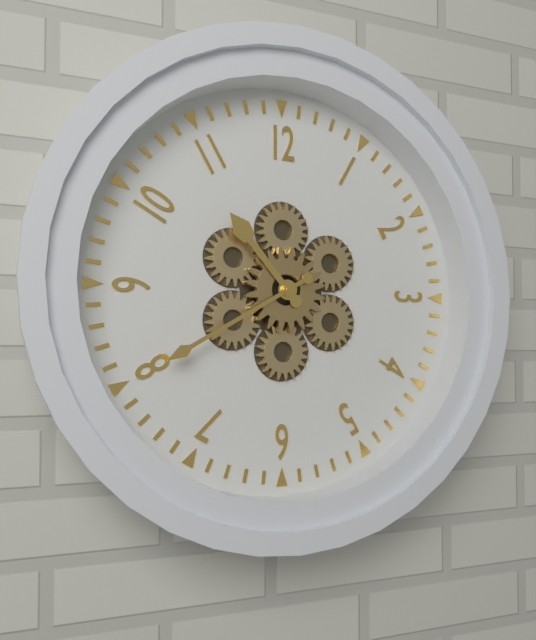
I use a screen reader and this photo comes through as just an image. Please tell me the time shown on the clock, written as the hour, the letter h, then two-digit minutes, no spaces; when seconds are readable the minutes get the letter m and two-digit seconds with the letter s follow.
10h40
